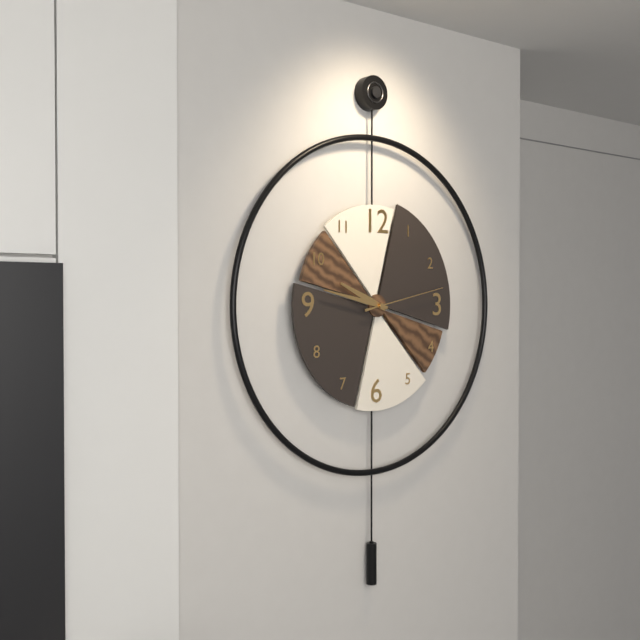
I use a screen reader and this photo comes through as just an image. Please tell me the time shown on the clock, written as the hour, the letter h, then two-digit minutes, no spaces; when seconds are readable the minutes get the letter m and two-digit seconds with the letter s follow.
9h47m13s
